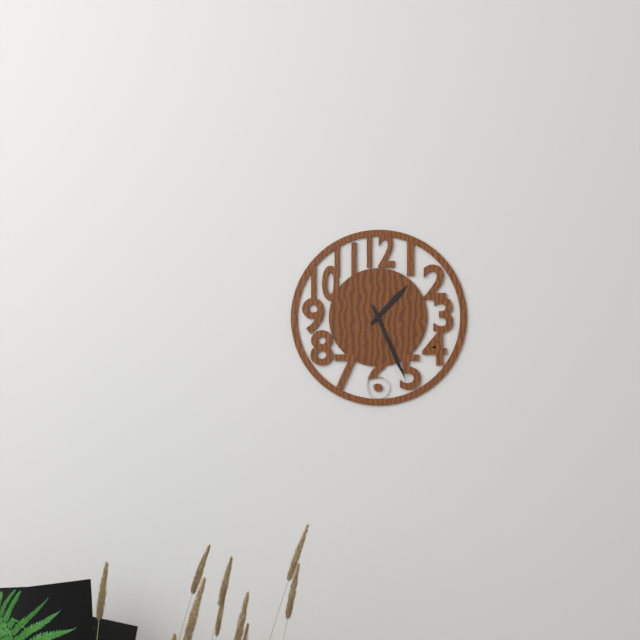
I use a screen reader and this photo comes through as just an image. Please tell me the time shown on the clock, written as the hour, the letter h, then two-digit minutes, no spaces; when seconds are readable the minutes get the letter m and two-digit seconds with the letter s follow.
1h26
